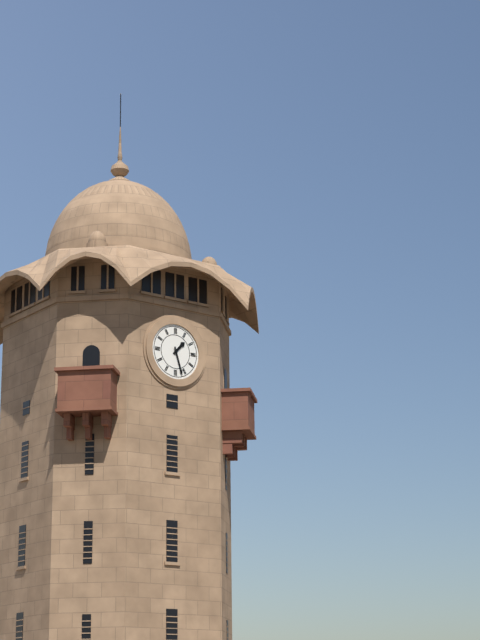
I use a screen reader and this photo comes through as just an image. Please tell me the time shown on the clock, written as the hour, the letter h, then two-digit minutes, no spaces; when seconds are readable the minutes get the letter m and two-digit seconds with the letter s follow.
1h27
